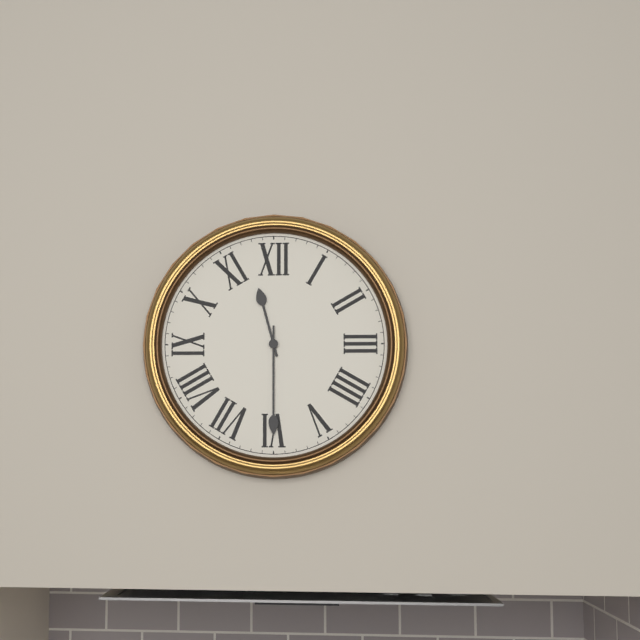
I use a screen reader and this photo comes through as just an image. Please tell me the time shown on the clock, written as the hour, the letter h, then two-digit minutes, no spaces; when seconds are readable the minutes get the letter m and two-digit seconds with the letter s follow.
11h30
